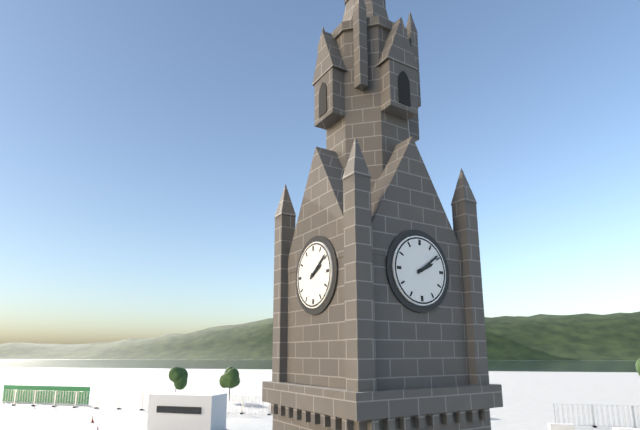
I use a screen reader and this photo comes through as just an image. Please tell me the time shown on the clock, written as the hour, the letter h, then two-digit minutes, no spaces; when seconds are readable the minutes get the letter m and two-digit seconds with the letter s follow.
2h09
